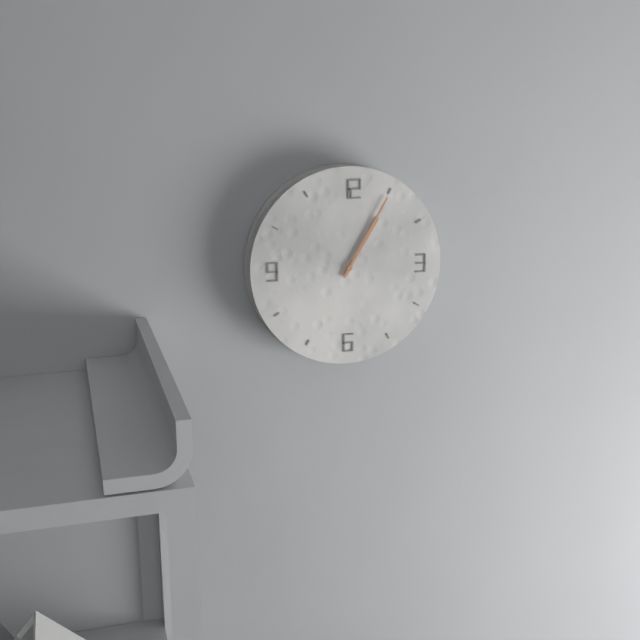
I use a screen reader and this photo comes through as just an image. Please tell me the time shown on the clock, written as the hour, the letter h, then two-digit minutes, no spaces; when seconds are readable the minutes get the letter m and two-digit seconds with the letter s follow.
1h05
